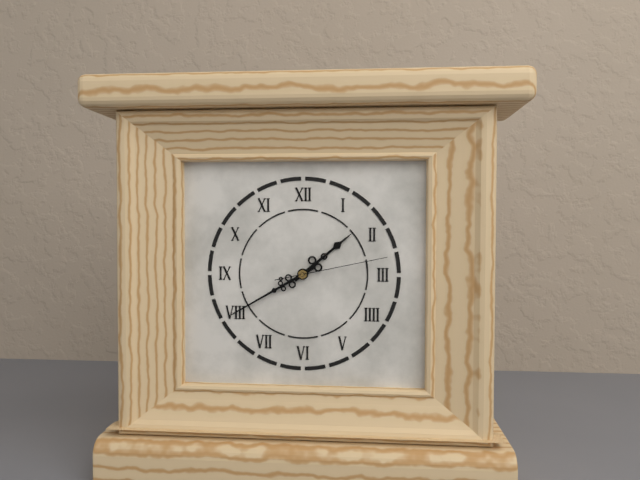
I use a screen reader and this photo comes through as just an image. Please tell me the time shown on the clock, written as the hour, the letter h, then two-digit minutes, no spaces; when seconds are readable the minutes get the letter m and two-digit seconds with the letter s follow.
1h40m13s
